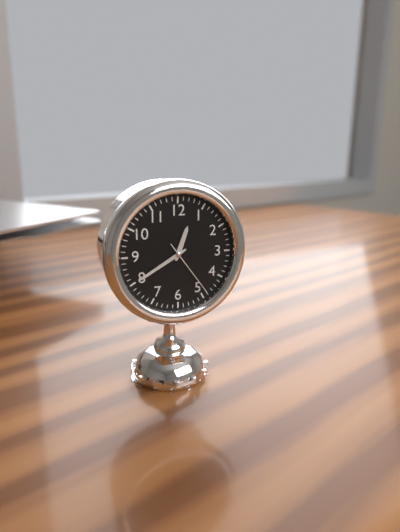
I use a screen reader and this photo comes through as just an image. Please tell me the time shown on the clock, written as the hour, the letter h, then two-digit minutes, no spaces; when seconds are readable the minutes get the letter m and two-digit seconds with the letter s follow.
12h40m24s
